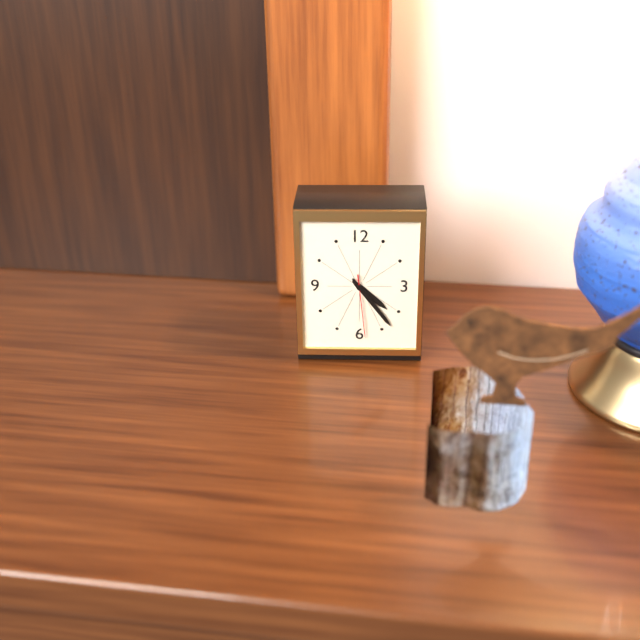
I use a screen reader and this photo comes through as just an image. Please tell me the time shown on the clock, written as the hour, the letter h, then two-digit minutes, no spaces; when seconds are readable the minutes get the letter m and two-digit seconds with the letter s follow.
4h24m29s
